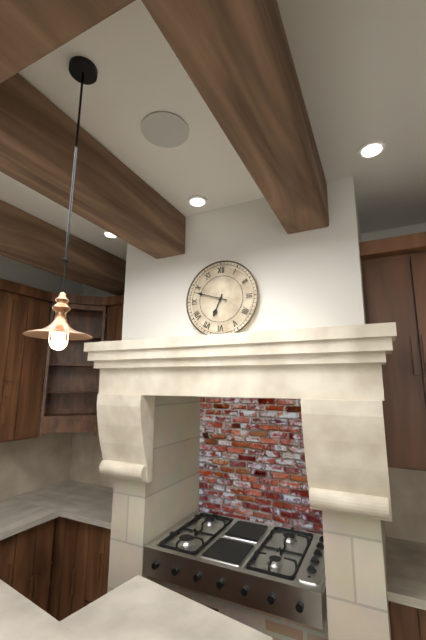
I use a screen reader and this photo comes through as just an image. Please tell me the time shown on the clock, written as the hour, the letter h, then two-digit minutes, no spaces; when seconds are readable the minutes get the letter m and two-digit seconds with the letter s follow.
6h48
